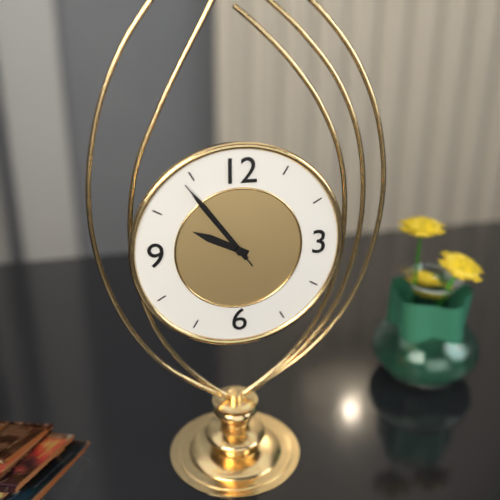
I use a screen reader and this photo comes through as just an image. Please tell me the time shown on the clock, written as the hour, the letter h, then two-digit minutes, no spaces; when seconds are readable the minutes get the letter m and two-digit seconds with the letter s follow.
9h54m54s
